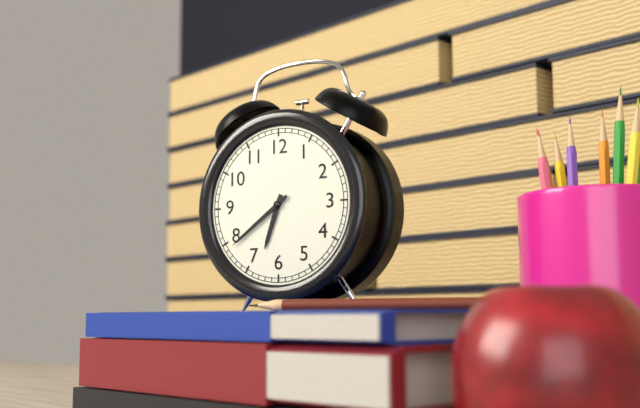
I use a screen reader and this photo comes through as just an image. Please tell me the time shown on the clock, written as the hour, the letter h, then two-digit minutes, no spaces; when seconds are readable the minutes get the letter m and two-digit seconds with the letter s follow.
6h39
